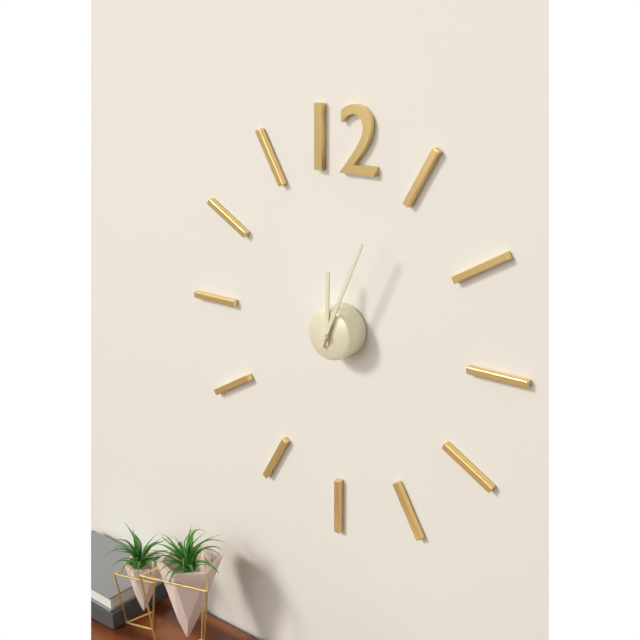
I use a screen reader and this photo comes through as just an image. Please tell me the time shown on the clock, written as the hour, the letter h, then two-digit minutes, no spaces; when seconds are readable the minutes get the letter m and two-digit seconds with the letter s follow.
12h04
